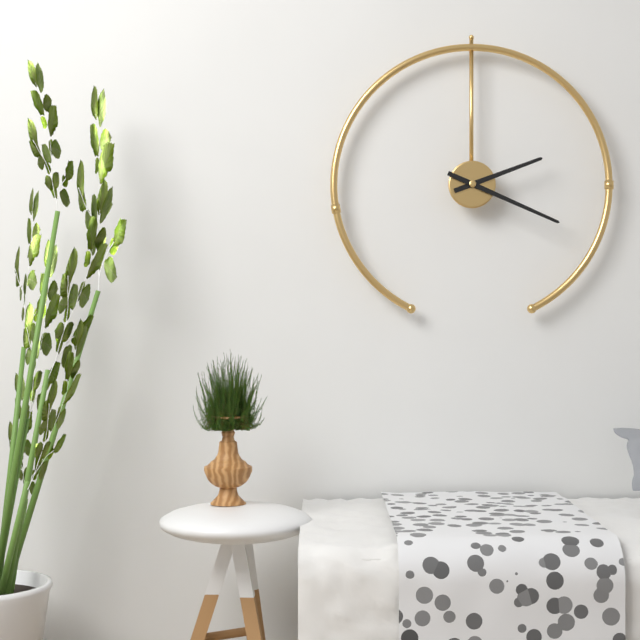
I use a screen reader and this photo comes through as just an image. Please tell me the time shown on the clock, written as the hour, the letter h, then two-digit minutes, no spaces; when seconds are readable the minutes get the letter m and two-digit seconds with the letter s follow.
2h19
